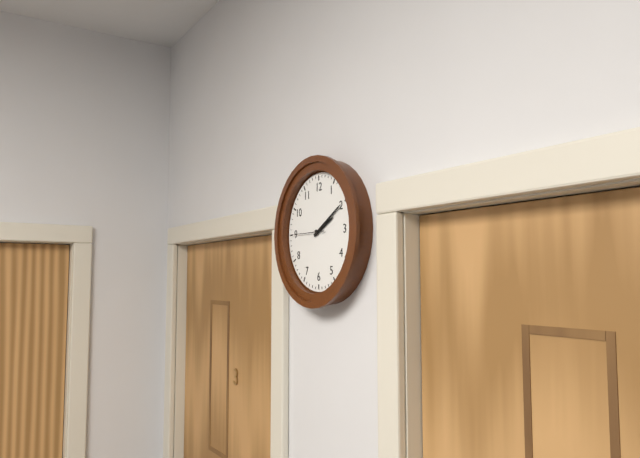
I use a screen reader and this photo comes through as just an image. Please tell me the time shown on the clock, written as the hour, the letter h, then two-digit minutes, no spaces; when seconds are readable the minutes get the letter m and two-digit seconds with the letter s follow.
2h10
